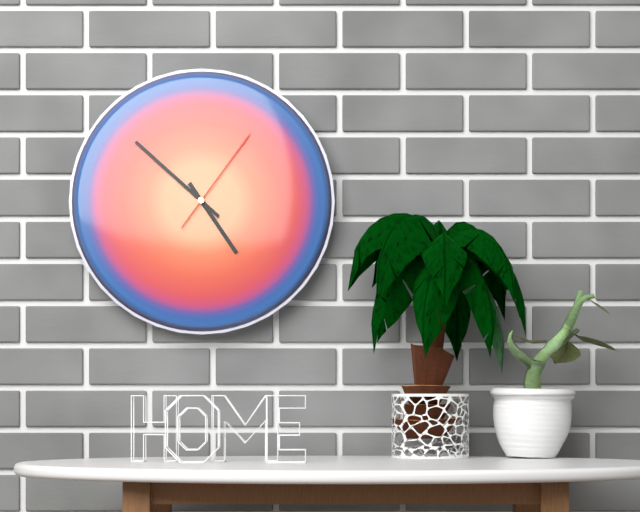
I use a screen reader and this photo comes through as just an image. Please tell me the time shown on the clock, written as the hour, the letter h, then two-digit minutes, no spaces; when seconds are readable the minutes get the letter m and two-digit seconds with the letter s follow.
4h52m06s
